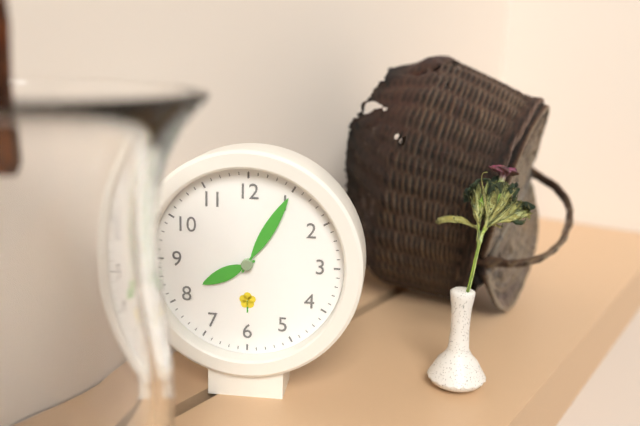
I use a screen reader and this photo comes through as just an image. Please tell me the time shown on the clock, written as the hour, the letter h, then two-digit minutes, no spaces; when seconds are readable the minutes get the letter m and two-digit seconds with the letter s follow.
8h05
